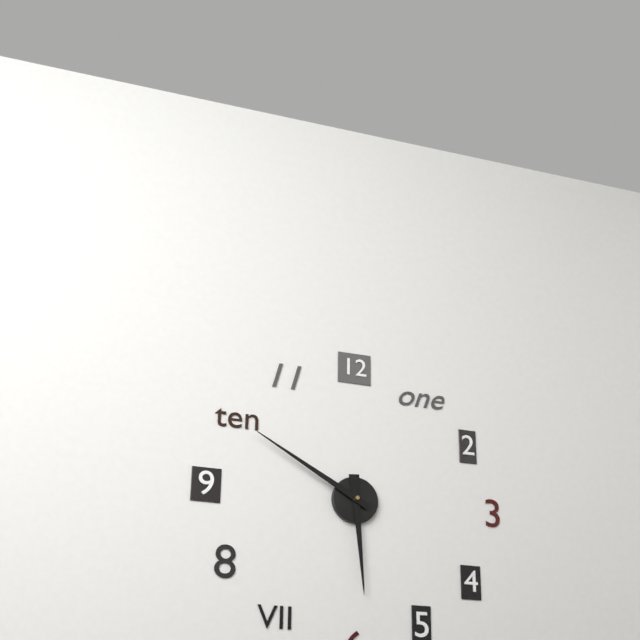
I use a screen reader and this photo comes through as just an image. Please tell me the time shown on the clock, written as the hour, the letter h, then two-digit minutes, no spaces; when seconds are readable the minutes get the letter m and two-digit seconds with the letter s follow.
5h50
